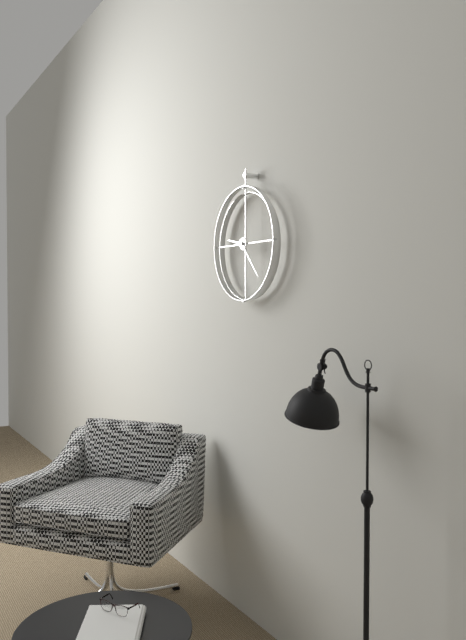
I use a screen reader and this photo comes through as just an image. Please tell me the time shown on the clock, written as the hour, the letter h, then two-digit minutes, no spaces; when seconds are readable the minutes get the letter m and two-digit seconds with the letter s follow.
9h23
